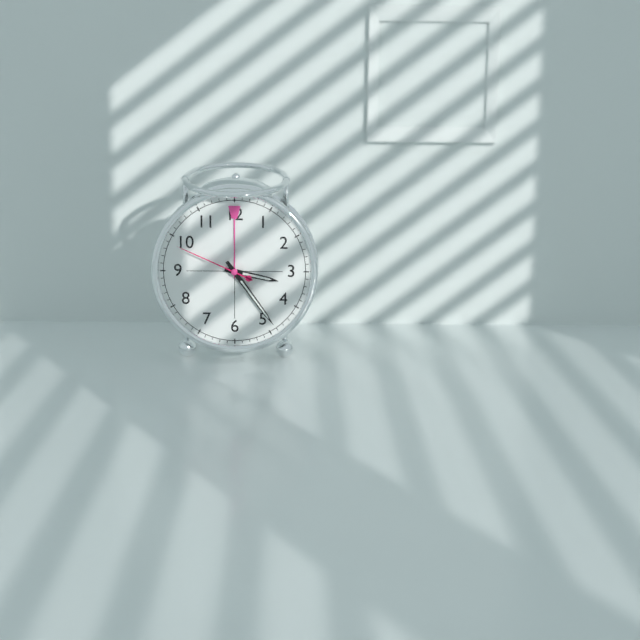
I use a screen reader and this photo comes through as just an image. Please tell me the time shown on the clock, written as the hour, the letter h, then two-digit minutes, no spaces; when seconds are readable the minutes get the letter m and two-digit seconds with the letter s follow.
3h24m49s
